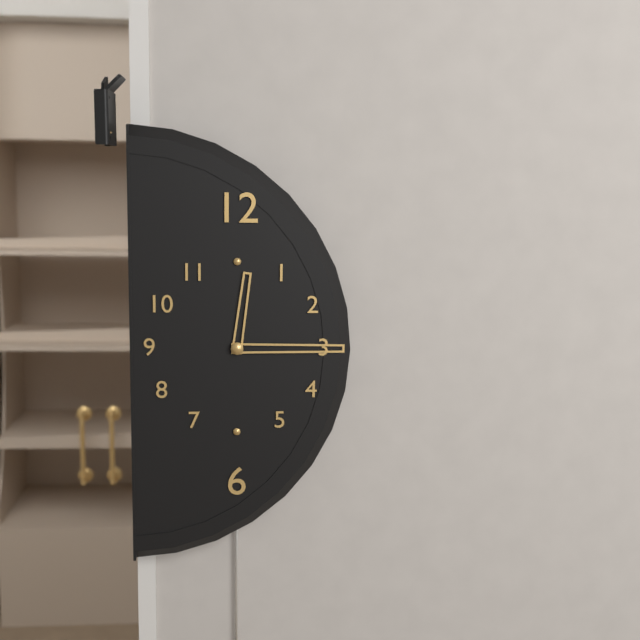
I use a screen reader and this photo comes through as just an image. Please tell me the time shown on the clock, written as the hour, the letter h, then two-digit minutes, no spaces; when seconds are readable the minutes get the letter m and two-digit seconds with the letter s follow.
12h15
